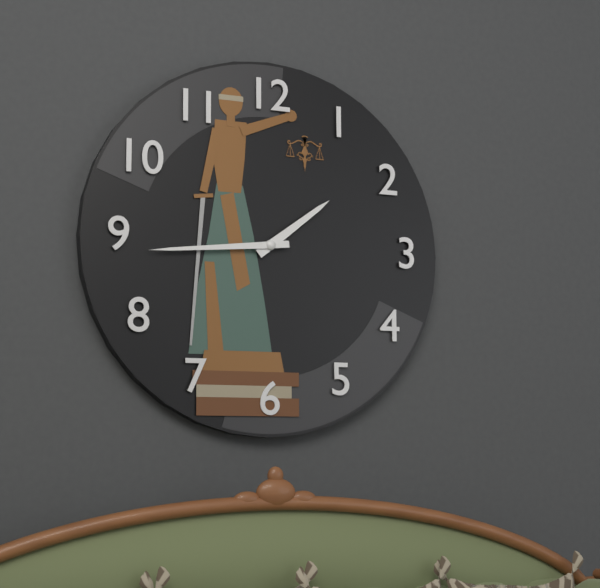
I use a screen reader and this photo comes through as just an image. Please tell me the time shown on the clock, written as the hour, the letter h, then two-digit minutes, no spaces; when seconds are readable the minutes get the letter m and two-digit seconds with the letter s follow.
1h44
